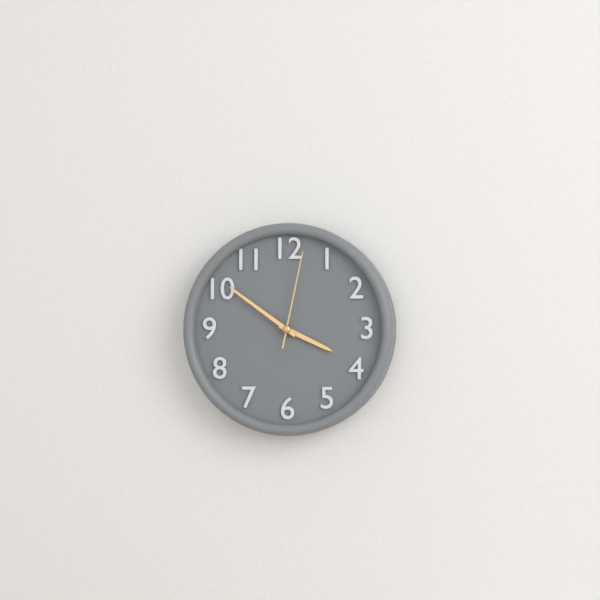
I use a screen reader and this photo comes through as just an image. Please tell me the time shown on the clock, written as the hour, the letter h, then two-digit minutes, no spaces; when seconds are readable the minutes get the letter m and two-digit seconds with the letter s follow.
3h51m02s
